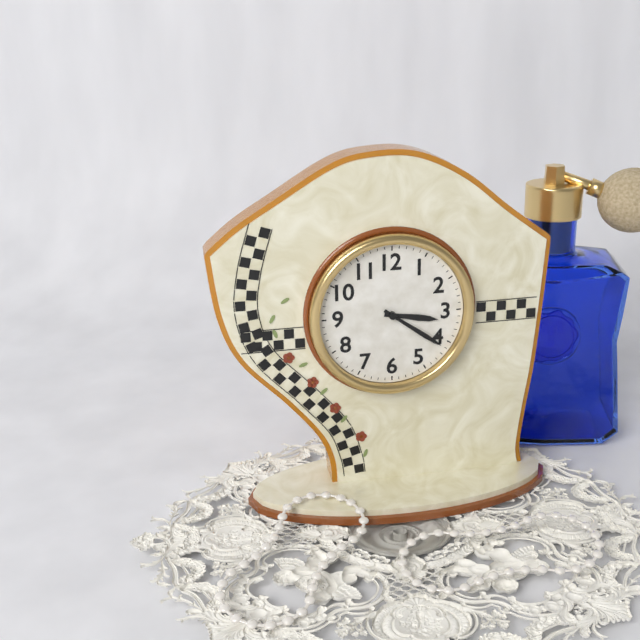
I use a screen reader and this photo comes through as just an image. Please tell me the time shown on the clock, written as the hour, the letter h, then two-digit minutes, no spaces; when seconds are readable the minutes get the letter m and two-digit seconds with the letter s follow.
3h21
